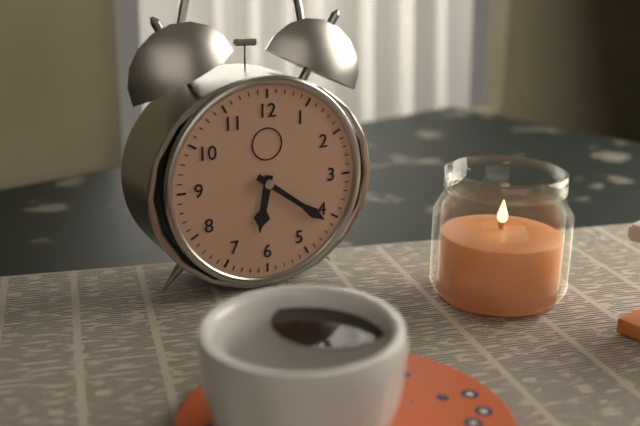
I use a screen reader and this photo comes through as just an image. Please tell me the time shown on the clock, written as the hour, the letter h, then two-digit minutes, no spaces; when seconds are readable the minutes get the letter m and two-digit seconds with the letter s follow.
6h21
